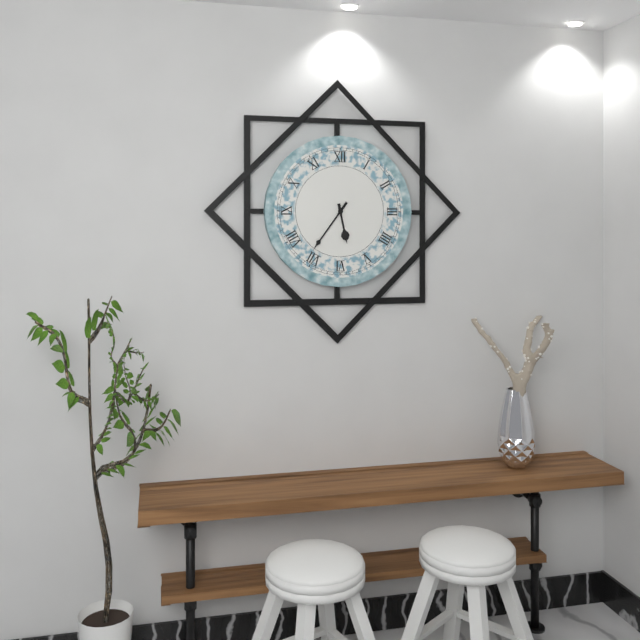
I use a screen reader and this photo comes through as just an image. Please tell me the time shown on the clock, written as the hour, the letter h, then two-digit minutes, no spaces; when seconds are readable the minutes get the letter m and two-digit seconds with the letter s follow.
5h36
